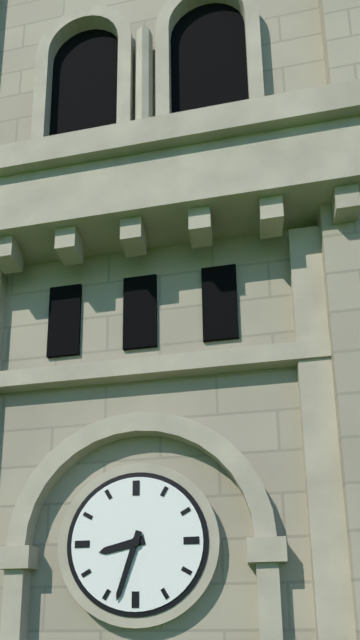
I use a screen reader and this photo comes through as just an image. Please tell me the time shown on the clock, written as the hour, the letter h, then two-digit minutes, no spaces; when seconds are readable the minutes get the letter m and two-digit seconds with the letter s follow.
8h33
